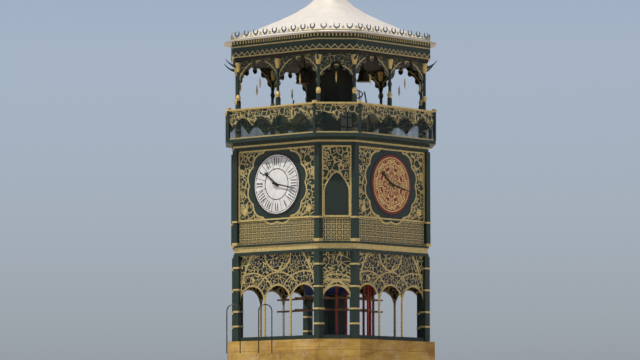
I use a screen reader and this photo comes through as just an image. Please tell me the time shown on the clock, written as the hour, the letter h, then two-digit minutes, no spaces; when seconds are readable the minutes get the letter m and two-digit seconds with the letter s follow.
10h17
